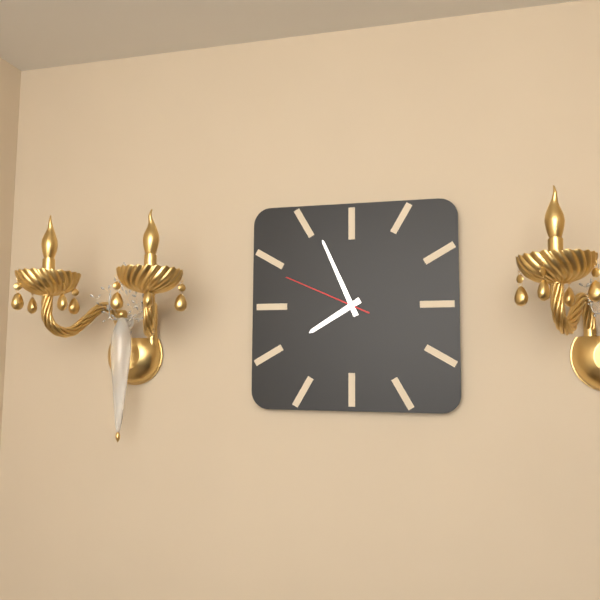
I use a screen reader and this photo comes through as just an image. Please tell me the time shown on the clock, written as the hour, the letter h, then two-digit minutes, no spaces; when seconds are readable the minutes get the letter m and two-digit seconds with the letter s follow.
7h56m49s
